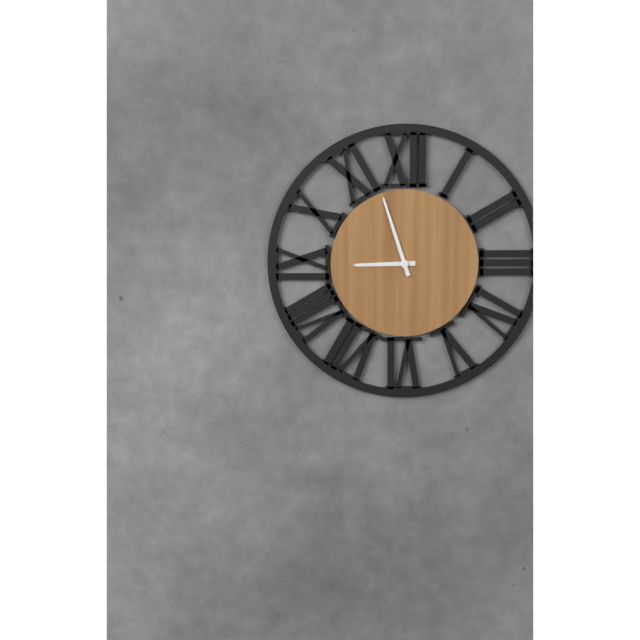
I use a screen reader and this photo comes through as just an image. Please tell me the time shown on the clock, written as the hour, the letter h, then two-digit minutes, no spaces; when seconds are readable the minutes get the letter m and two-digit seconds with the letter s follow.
8h57
